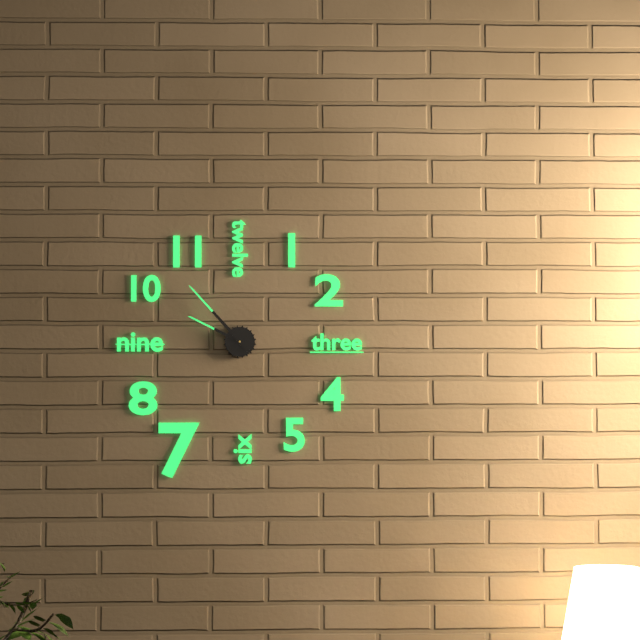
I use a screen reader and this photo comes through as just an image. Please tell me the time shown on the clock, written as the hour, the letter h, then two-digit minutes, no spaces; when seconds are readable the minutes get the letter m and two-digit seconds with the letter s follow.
9h53
